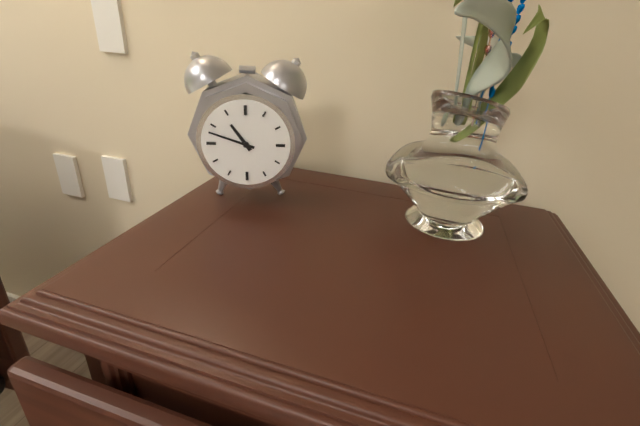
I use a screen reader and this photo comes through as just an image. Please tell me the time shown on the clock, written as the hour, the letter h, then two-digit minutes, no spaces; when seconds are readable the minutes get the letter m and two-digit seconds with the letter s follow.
10h48
